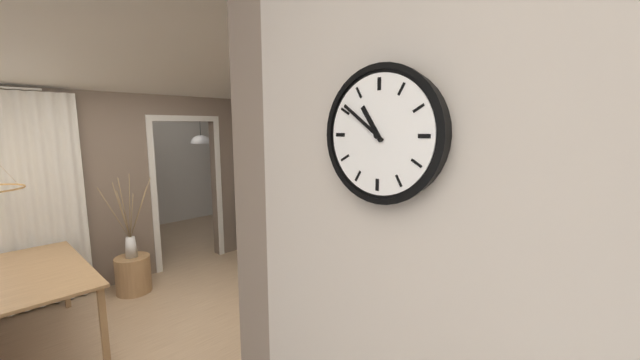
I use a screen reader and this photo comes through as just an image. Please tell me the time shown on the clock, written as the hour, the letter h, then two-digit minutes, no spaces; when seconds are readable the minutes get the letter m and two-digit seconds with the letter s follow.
10h51
